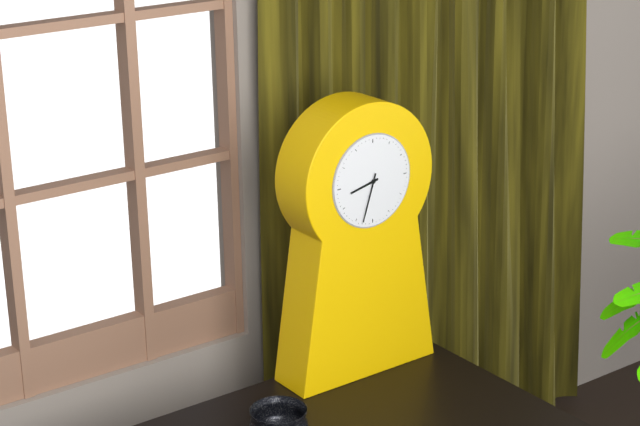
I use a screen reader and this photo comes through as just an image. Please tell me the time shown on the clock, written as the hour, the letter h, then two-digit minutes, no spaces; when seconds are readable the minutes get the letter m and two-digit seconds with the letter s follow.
8h33
